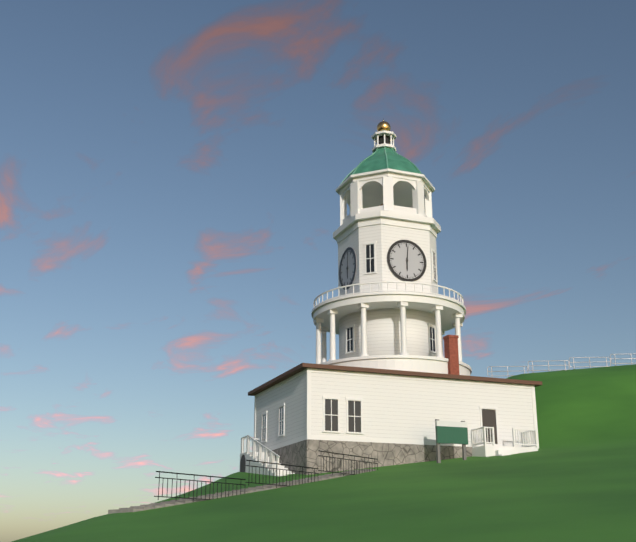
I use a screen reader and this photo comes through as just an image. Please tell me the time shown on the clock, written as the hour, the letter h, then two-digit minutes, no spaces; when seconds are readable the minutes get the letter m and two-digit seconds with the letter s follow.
6h01
